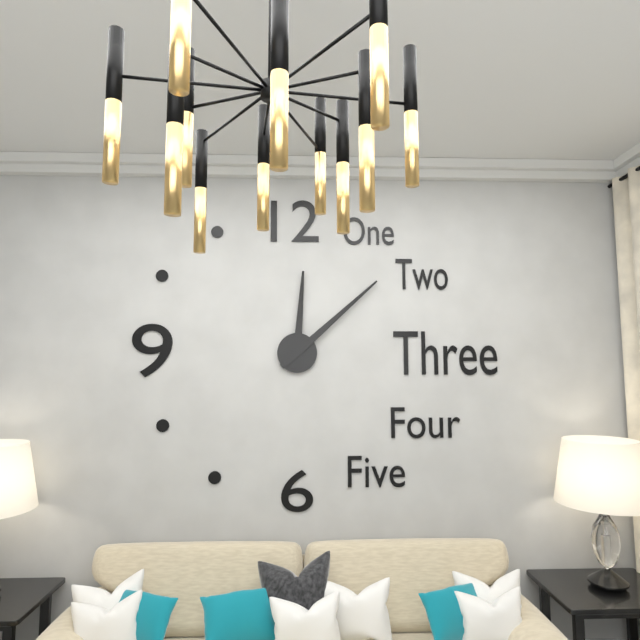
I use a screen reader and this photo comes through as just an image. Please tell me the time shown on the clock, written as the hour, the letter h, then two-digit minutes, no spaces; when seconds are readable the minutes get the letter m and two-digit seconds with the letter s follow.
12h08
